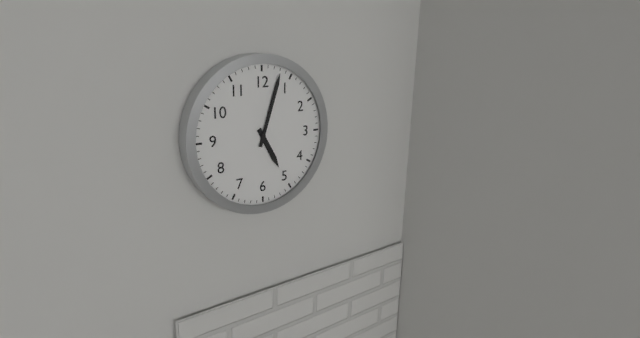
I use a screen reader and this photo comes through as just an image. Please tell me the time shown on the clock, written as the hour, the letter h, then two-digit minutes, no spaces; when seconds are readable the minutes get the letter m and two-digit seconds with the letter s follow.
5h03
